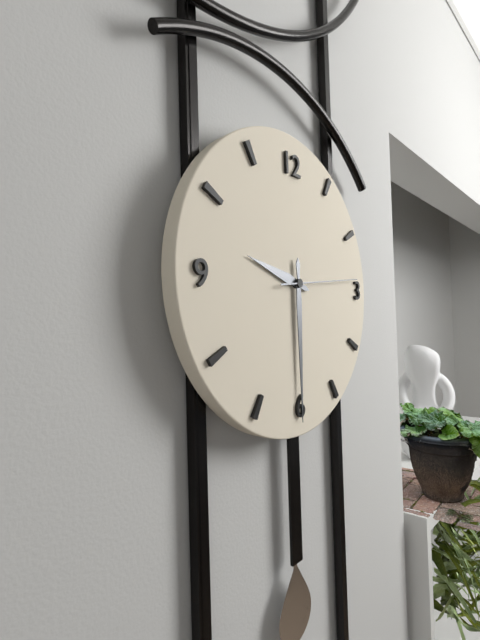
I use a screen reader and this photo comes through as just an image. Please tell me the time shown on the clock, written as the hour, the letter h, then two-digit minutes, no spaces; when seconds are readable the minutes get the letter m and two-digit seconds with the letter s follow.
9h30m14s
